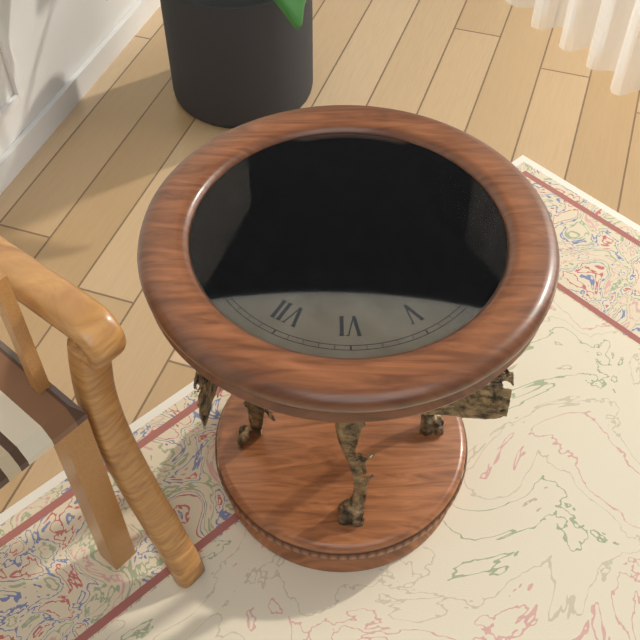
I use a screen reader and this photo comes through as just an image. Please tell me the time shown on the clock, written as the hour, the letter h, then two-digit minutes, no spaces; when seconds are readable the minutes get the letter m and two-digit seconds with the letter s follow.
11h49
